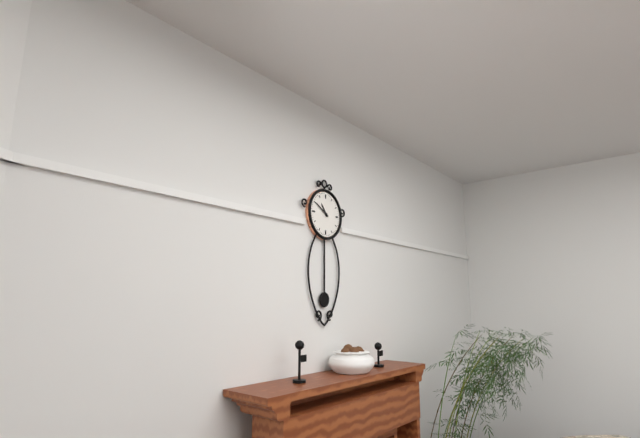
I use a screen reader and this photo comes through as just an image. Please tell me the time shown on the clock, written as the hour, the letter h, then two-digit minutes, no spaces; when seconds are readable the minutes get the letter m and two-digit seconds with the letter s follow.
10h50
